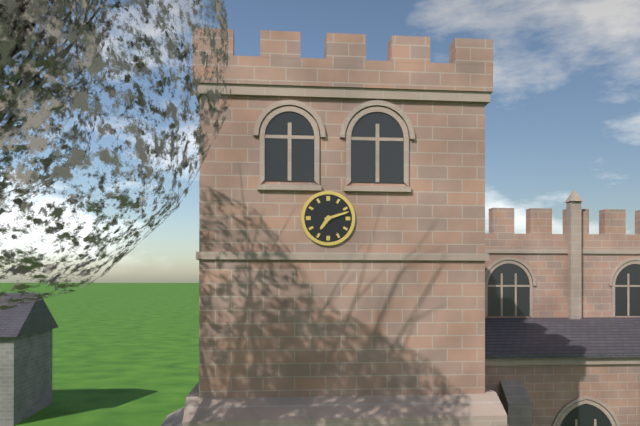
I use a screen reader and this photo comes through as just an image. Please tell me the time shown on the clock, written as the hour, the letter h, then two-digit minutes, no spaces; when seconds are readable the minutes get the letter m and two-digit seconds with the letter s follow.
7h12
